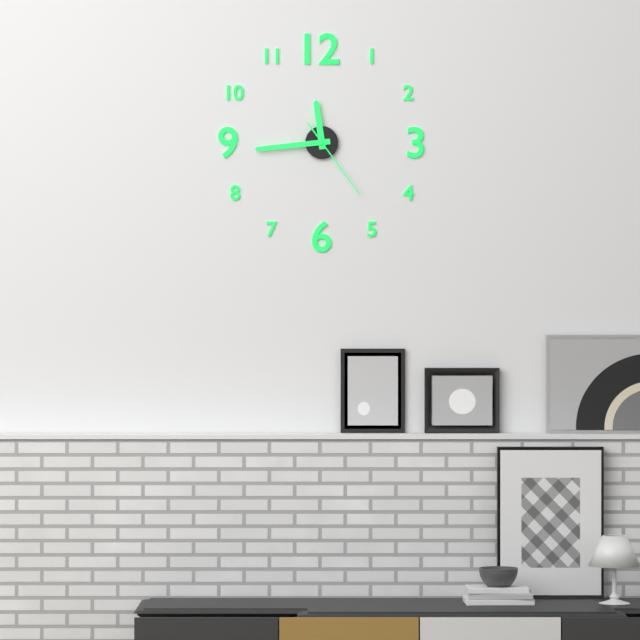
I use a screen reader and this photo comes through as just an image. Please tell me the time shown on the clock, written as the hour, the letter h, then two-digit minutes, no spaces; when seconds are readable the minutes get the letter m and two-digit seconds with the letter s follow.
11h44m24s
